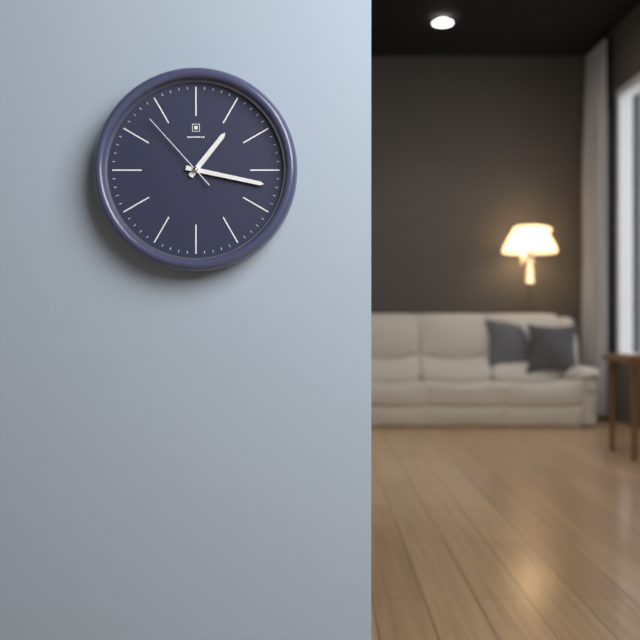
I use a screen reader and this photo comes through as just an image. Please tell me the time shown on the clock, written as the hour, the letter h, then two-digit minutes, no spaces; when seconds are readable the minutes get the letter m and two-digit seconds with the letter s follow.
1h17m53s
